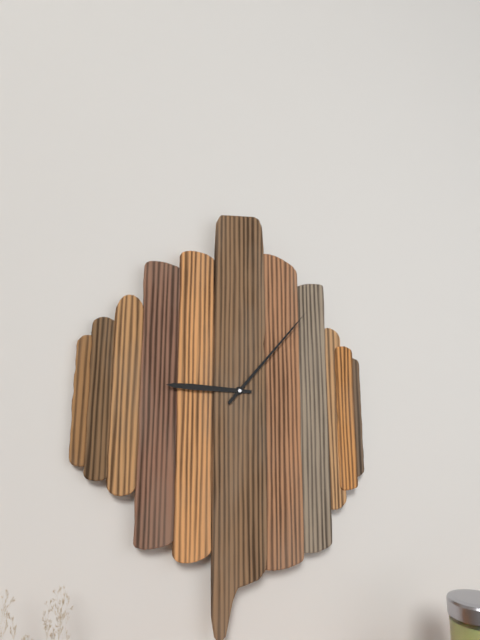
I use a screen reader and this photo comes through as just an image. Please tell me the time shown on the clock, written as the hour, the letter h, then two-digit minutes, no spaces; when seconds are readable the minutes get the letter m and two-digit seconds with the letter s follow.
9h07
